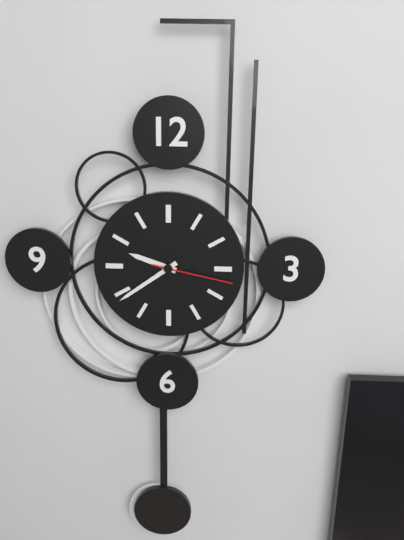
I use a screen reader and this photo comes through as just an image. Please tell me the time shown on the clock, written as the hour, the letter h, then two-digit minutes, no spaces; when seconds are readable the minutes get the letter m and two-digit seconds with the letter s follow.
9h39m17s
